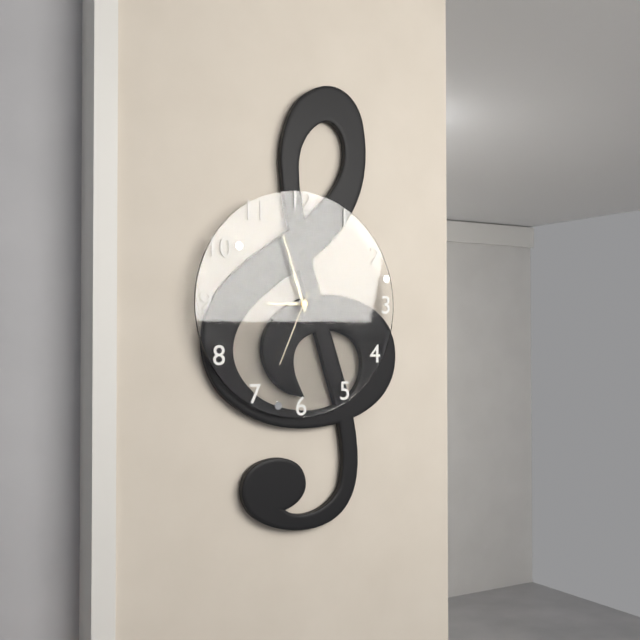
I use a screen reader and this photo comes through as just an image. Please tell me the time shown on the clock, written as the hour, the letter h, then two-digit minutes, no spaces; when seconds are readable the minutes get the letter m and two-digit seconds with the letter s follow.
8h57m34s
